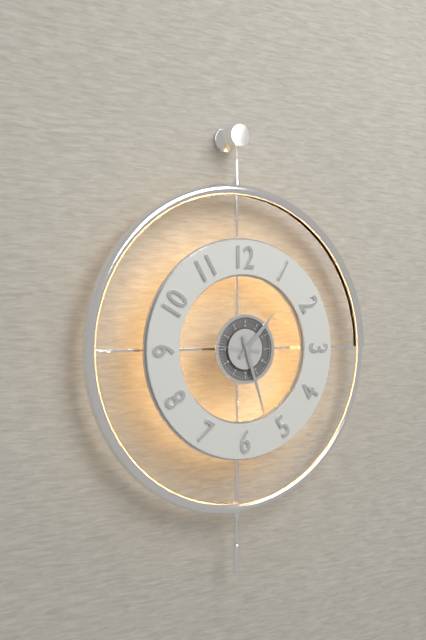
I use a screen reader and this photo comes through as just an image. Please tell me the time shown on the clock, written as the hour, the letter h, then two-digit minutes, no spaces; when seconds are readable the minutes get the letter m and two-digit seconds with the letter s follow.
1h27m46s
